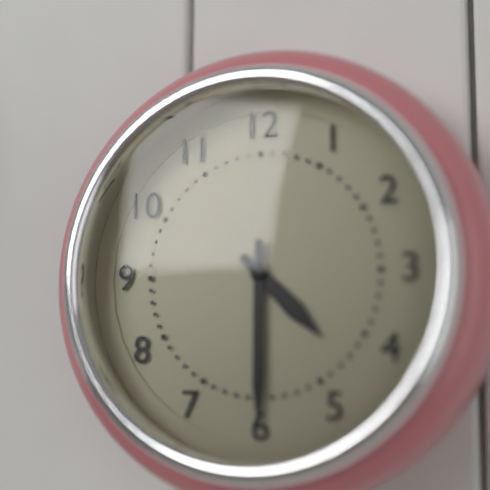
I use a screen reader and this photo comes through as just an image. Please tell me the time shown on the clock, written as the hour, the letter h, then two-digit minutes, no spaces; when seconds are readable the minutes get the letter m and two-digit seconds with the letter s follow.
4h30
